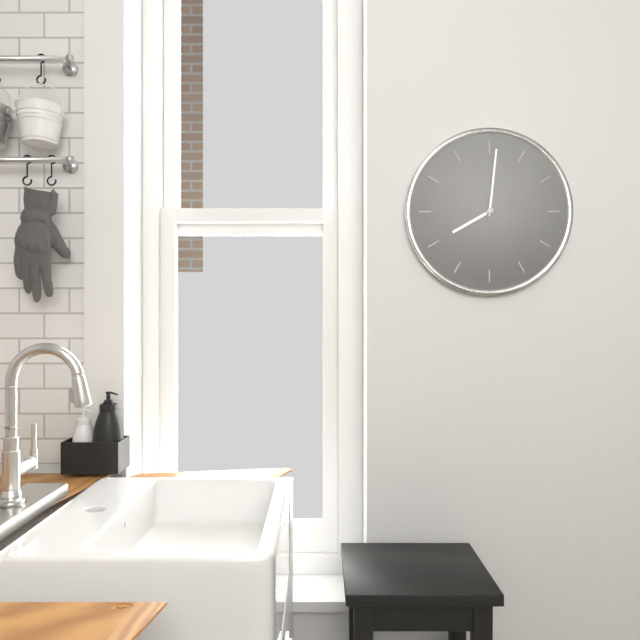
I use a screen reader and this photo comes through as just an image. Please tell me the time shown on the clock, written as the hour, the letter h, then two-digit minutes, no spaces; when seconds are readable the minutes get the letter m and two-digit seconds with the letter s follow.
8h01
